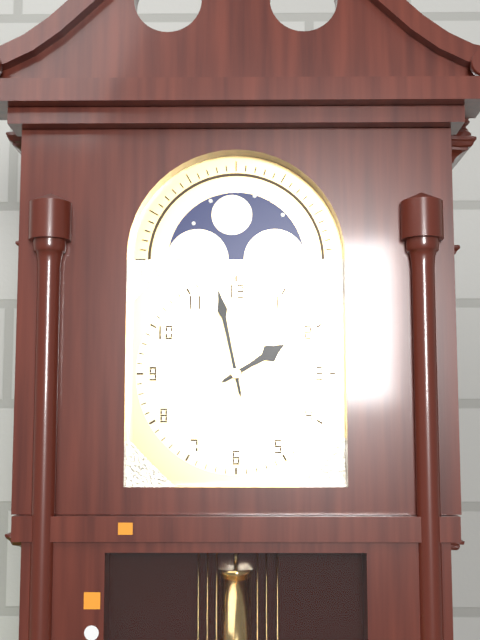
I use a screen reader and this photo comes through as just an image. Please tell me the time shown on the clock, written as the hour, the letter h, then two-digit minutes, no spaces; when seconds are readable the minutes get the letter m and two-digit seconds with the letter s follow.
1h58
